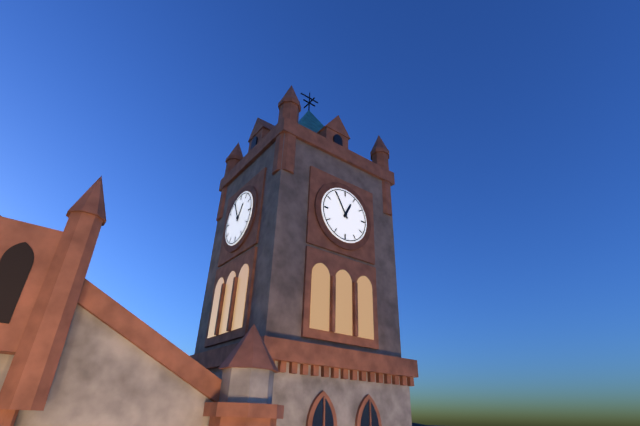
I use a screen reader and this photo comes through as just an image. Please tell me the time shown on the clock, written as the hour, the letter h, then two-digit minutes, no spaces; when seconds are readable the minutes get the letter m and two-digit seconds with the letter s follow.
12h55
